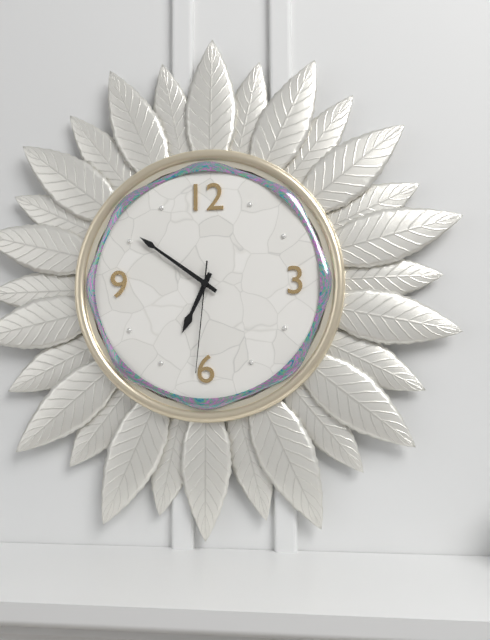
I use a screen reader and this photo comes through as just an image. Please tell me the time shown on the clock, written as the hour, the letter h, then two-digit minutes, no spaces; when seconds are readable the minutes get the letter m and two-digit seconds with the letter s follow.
6h51m31s
